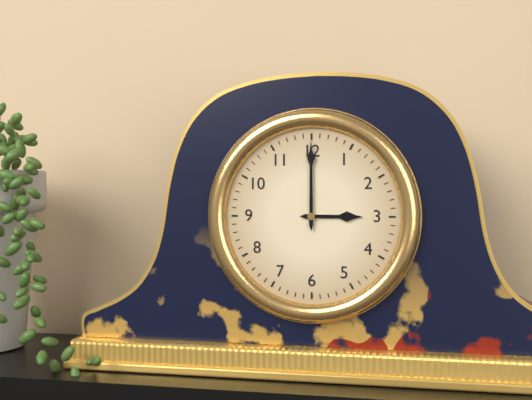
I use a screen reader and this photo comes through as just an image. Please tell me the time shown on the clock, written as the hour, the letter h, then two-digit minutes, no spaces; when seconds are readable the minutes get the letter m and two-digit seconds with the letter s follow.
3h00
